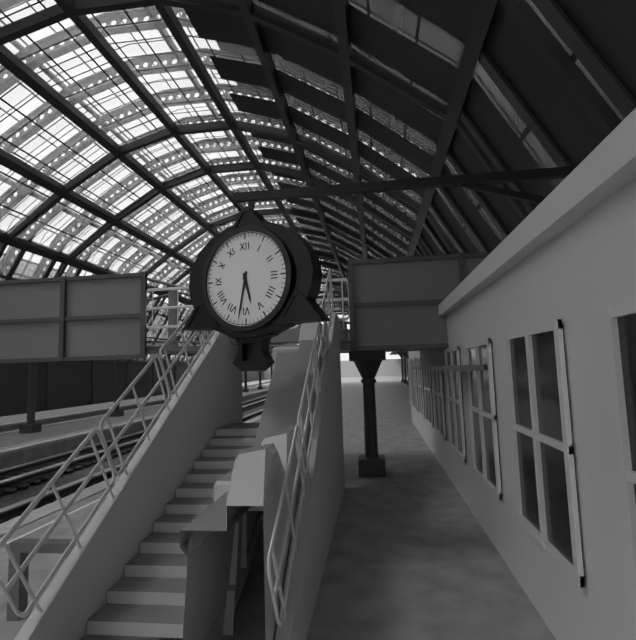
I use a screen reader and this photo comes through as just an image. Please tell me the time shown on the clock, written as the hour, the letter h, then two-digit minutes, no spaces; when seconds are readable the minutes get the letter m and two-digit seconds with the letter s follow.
5h32
